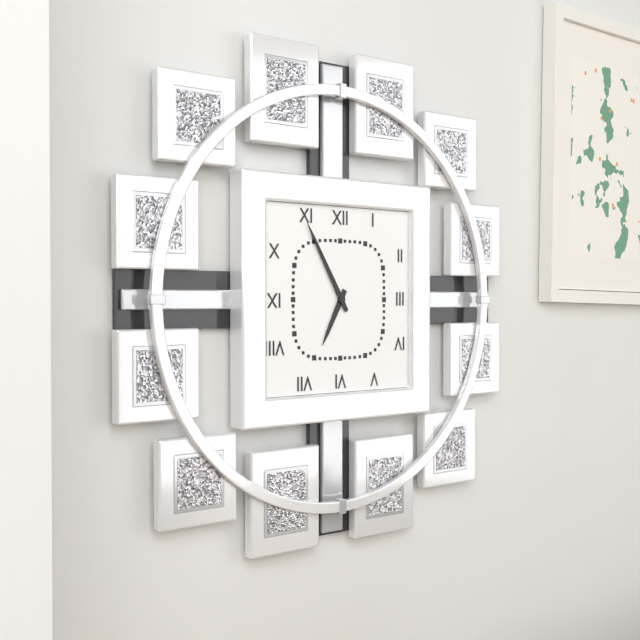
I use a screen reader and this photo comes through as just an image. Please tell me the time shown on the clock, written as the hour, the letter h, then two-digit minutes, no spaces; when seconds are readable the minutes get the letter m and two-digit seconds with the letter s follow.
6h55
